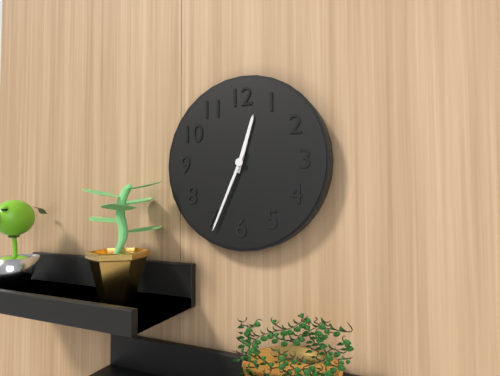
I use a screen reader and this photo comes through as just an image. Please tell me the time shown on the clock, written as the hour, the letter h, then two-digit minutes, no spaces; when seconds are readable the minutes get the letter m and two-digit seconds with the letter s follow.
12h34
